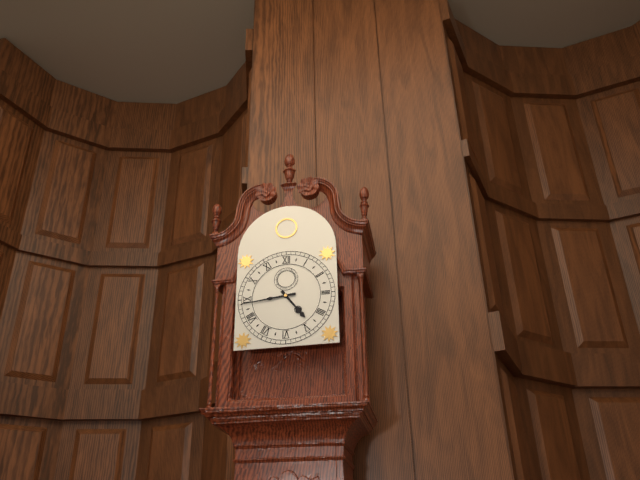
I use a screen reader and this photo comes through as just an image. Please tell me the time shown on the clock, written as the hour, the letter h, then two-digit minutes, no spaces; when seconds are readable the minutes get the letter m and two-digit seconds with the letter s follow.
4h44
